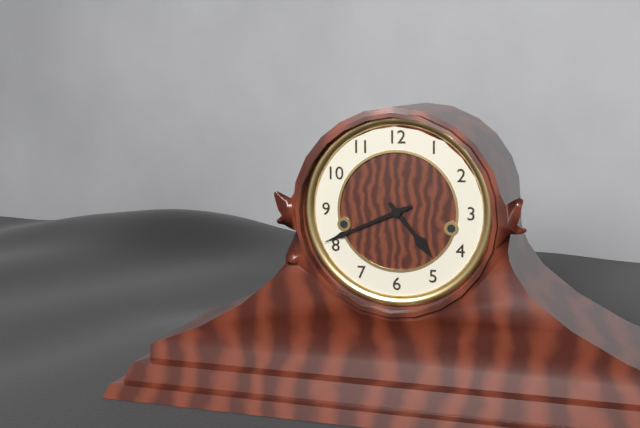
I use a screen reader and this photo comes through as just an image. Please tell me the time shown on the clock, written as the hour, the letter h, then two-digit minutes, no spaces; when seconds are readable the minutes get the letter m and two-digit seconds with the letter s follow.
4h41
